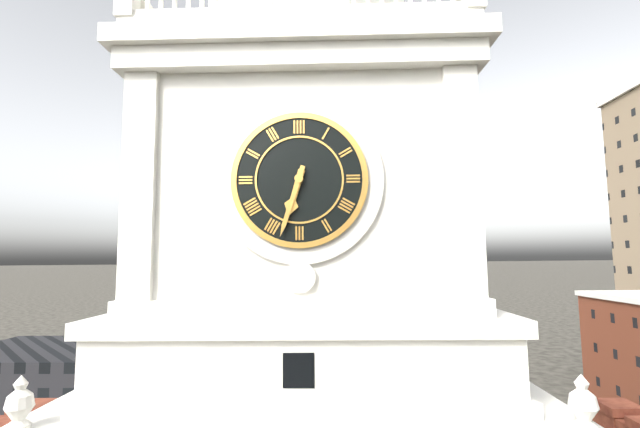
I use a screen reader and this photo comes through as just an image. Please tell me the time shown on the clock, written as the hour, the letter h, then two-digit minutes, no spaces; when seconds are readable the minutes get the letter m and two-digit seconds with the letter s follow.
6h33
